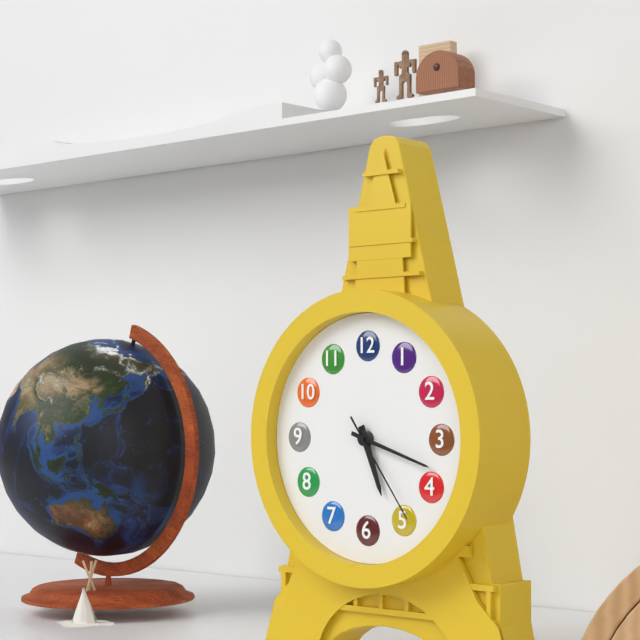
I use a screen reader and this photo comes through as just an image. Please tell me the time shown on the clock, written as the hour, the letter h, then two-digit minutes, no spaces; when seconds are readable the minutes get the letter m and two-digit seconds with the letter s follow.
5h18m24s
